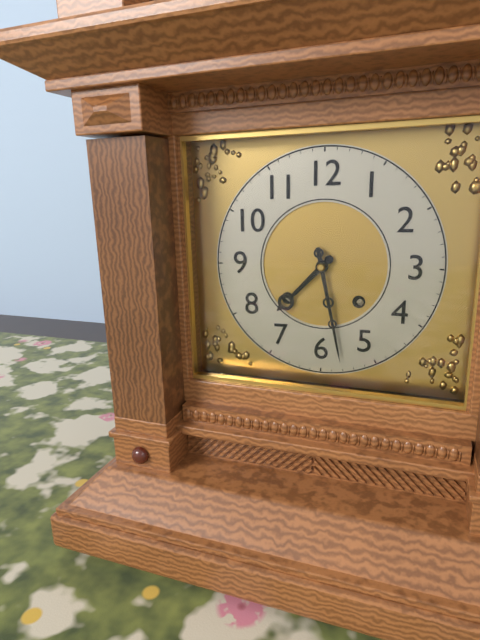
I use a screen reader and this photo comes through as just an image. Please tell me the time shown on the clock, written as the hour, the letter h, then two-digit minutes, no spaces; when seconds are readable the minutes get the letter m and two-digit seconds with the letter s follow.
7h28
